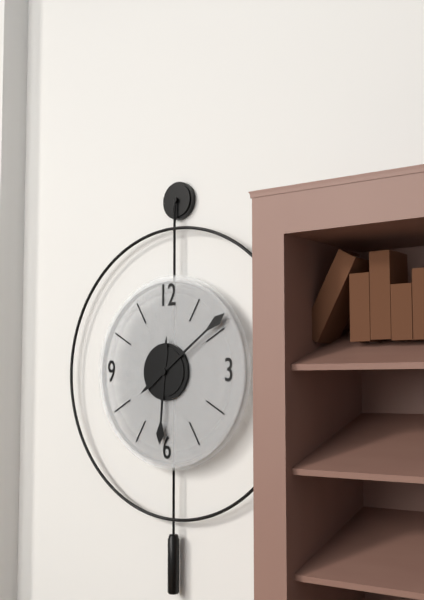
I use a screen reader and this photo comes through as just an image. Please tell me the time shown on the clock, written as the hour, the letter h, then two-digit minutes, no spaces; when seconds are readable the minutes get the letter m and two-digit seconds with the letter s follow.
6h09
